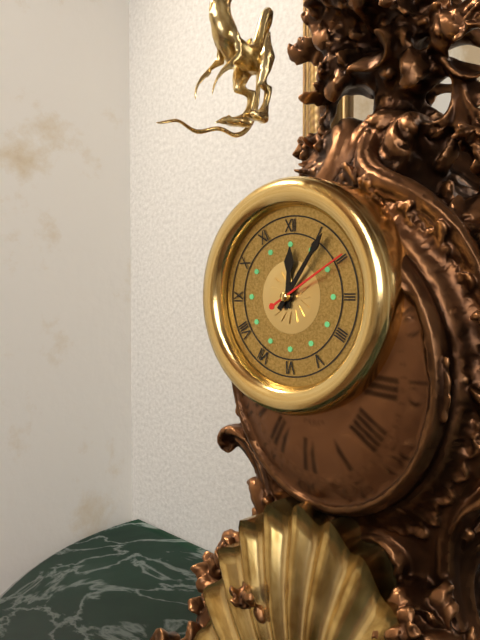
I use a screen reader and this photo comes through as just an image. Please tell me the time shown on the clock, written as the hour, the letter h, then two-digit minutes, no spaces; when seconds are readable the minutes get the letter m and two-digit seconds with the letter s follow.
12h06m10s
